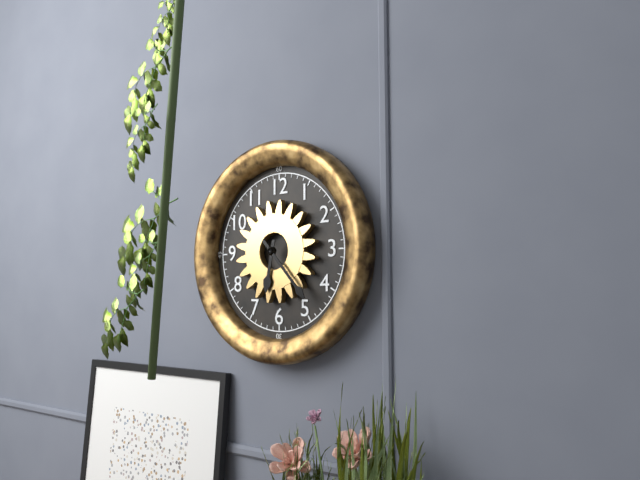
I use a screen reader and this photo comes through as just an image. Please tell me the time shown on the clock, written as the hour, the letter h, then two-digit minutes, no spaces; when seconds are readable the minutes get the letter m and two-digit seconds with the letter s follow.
6h23
